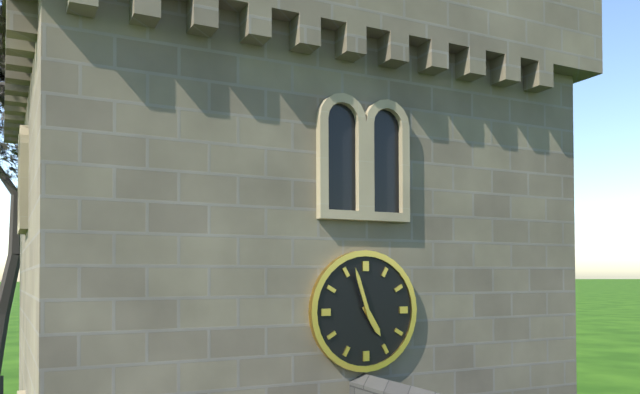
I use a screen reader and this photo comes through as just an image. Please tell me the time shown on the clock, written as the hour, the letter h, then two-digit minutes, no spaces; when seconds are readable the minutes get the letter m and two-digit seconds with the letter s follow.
4h57
